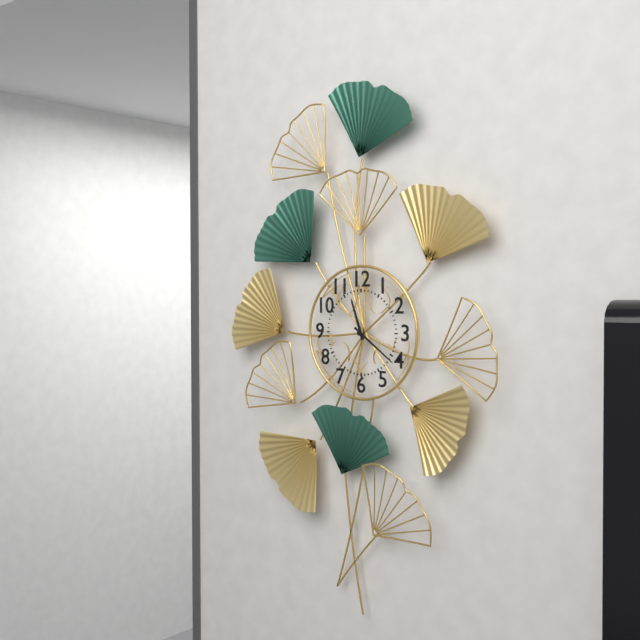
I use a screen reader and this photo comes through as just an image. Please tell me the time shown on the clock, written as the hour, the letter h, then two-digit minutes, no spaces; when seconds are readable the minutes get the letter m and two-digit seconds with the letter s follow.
11h21
